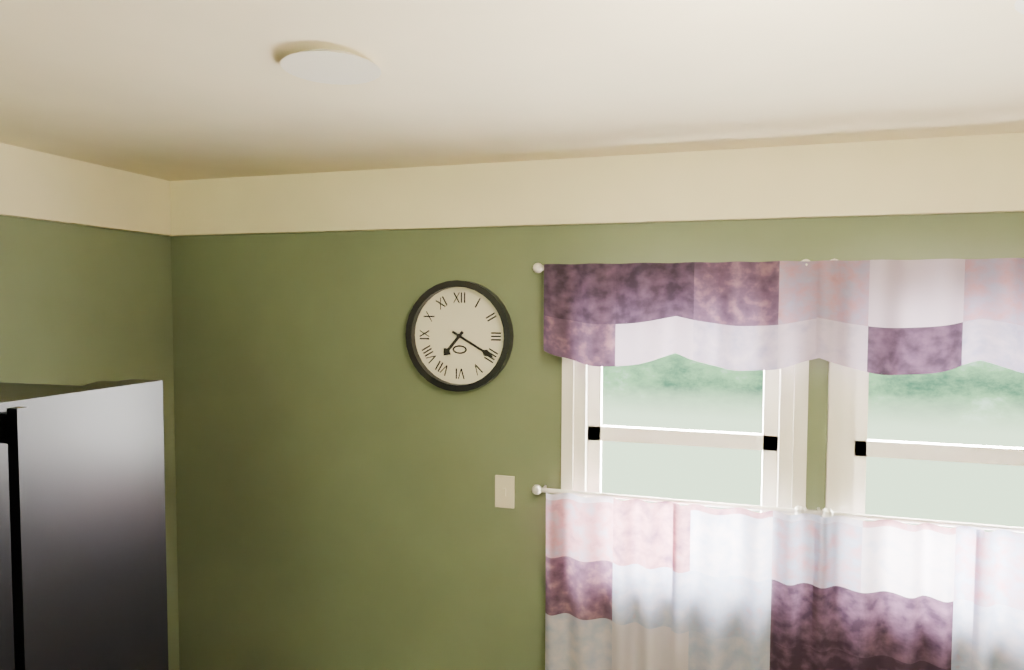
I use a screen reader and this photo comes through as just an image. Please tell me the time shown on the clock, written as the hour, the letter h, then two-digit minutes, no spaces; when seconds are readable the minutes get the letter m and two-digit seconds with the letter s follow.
7h20
